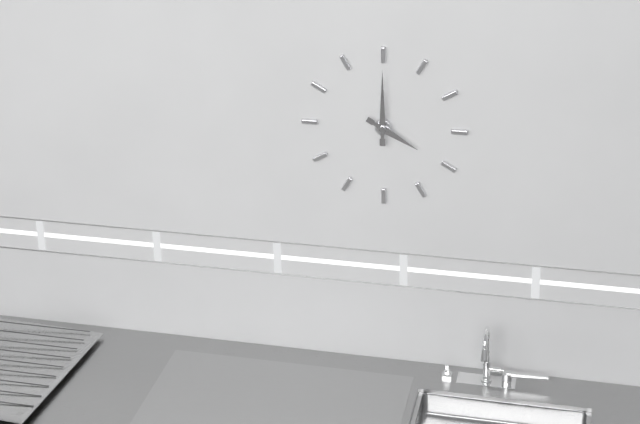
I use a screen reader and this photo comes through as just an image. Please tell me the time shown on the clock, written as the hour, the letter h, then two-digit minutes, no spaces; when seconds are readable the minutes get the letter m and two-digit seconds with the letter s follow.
4h00
